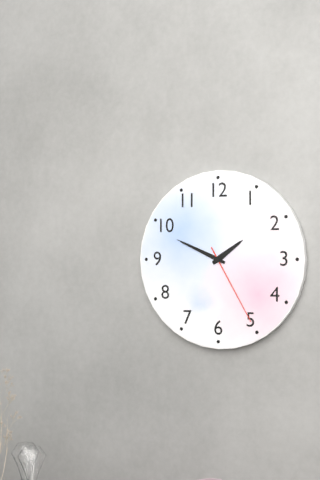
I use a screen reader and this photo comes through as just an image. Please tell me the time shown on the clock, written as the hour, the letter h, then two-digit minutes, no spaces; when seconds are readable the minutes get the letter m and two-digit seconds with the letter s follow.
1h49m25s
